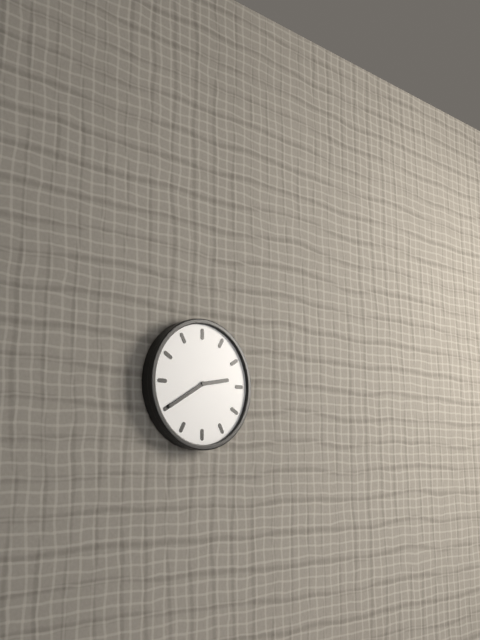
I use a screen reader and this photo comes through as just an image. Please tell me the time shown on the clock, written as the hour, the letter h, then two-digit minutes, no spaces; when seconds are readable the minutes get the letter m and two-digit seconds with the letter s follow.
2h40
